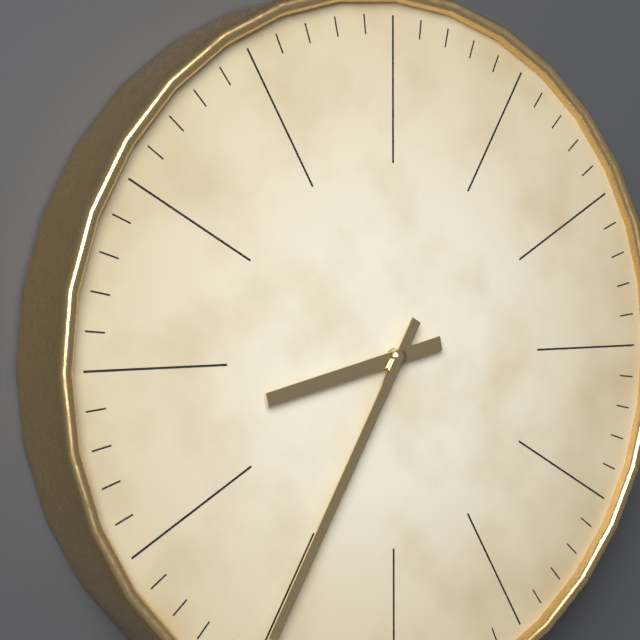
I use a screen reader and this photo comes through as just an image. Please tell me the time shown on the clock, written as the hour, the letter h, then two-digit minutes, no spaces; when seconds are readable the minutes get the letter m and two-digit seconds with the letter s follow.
8h35
